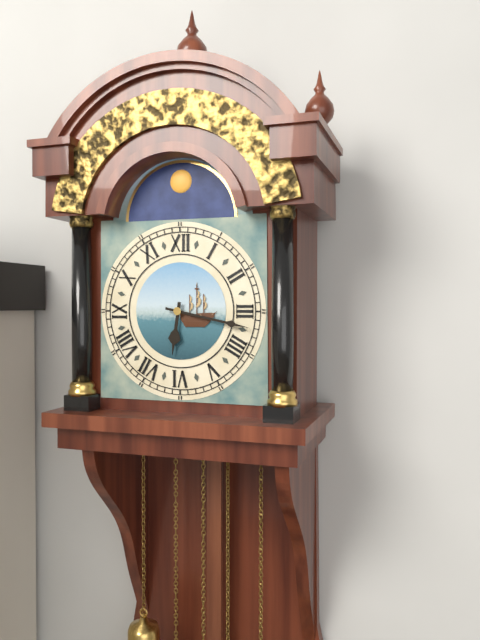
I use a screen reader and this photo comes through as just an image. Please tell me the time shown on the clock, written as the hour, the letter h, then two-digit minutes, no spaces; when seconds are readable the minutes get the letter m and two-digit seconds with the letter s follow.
6h17
